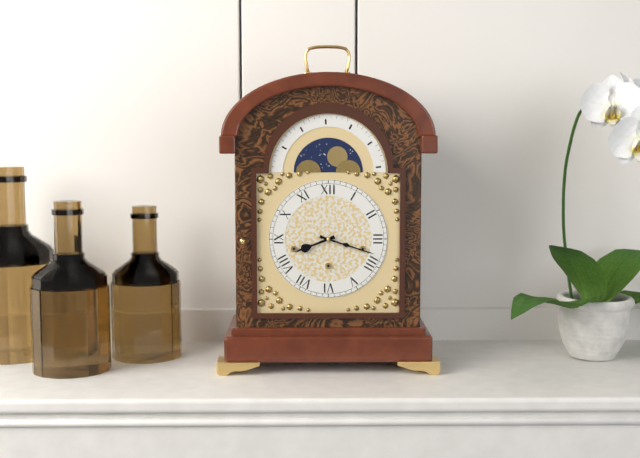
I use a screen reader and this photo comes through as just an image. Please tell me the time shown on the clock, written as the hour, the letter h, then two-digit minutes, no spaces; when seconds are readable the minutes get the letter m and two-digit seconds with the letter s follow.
8h18
